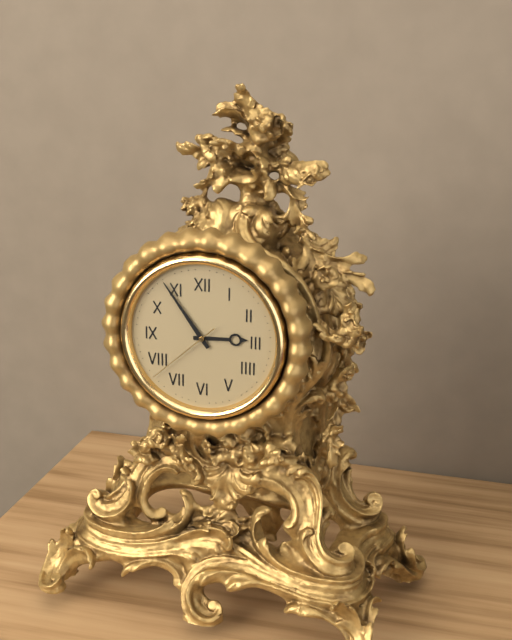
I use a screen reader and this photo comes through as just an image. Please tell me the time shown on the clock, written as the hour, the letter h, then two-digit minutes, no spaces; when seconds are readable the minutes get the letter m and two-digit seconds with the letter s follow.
2h54m38s
